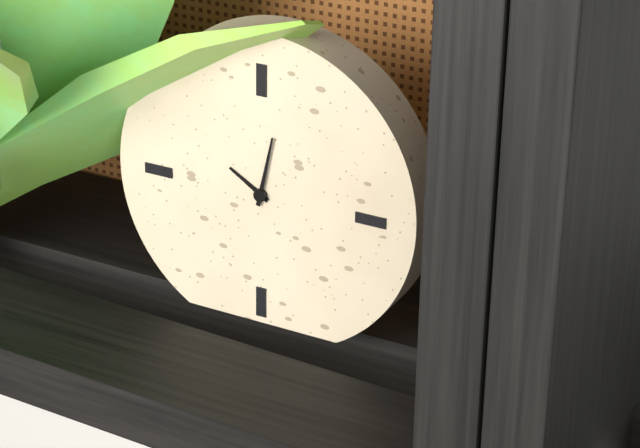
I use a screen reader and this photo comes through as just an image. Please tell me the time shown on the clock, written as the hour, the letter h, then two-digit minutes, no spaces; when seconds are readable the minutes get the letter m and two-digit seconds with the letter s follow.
10h02
